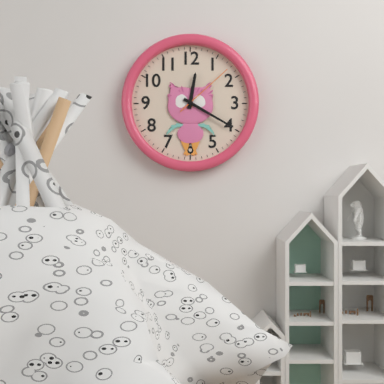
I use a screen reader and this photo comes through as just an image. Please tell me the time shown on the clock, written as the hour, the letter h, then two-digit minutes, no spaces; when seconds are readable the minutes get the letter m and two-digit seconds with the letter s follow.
12h20m08s
